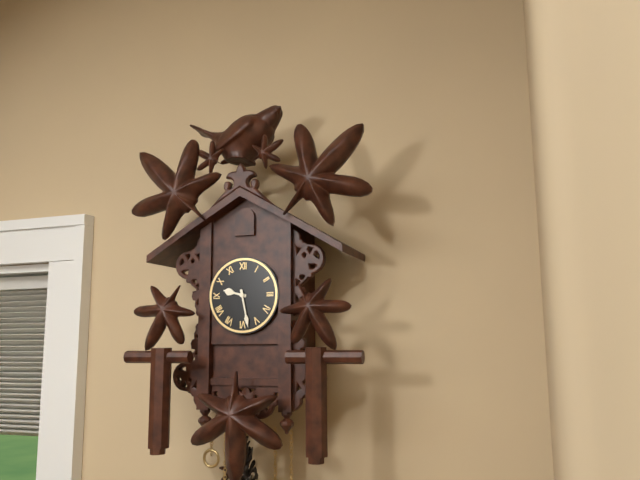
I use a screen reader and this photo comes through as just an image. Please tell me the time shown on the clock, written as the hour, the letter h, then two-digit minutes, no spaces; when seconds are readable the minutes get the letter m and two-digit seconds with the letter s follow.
9h28
